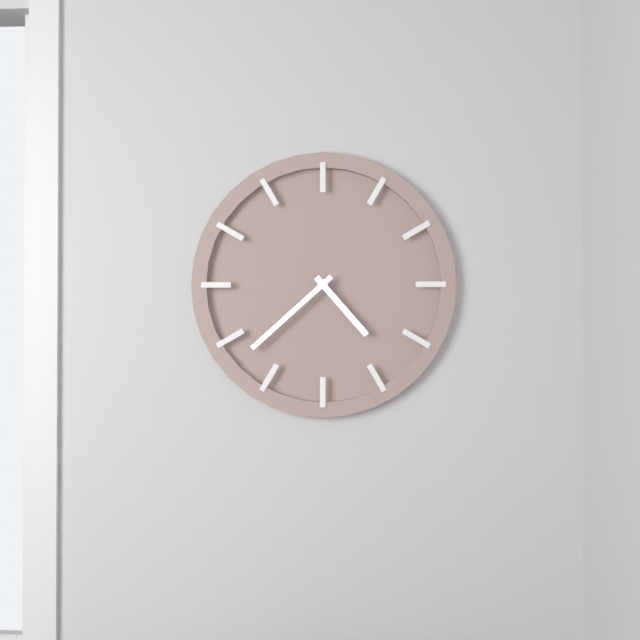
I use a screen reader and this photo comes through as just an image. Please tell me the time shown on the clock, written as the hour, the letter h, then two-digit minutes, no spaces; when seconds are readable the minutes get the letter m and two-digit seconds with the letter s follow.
4h38
